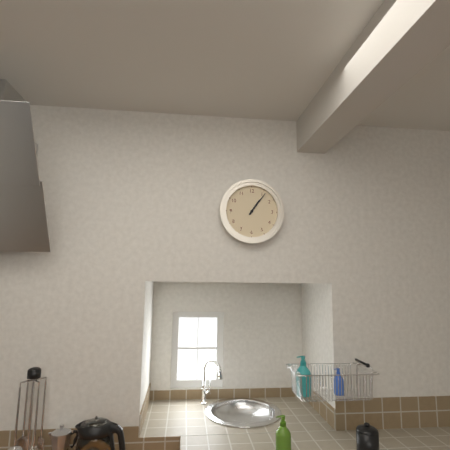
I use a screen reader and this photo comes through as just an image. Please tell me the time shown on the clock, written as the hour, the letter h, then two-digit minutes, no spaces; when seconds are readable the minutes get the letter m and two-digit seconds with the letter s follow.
1h06
